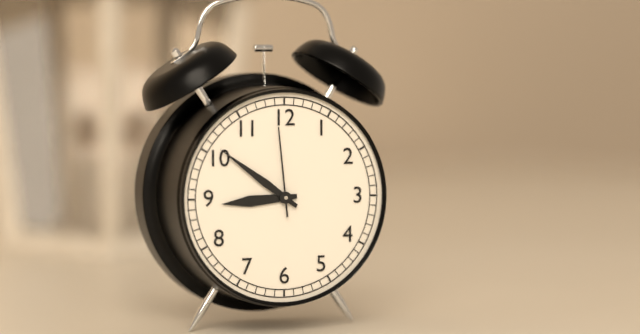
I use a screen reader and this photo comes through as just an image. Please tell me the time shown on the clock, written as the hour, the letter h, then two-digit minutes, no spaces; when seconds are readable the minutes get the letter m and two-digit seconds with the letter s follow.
8h51m59s
